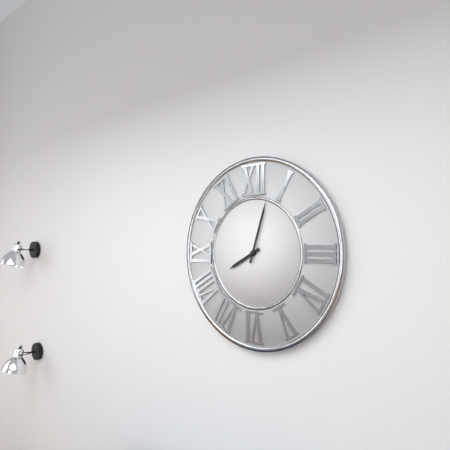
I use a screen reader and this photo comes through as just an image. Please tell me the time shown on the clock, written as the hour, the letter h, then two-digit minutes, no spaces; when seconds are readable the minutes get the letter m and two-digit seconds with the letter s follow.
8h03
